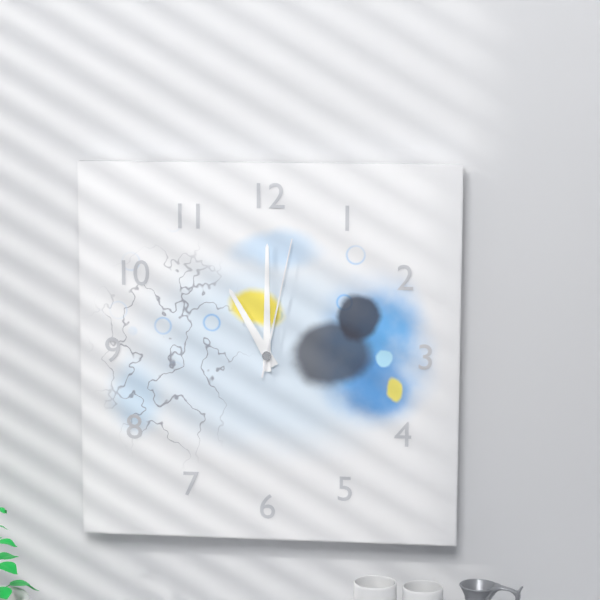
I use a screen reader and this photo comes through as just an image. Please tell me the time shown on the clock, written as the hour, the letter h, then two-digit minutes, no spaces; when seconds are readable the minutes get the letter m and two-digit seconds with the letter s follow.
11h00m02s
